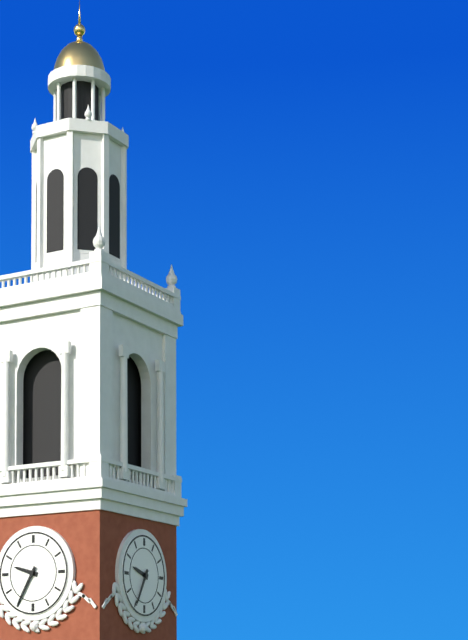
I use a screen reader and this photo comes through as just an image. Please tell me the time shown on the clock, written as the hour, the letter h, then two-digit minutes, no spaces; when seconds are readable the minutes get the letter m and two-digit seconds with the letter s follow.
9h35
